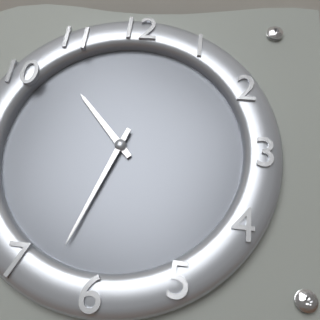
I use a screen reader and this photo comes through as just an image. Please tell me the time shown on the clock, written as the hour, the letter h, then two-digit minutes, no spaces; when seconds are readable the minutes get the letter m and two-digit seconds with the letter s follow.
10h33
